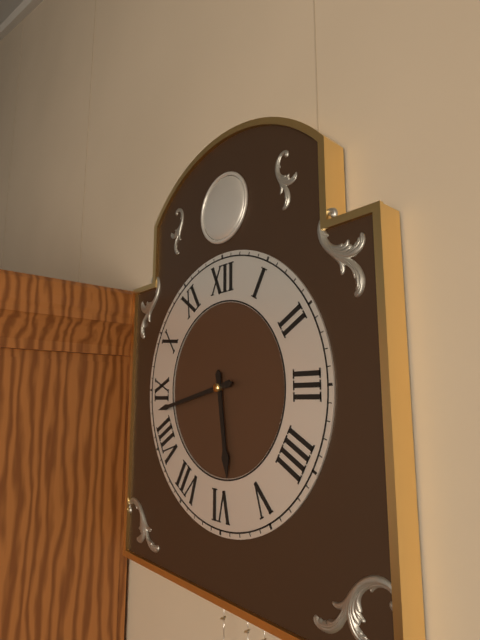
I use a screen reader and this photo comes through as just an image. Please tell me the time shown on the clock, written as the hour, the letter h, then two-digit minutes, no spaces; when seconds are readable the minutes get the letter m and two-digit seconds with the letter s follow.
5h43
